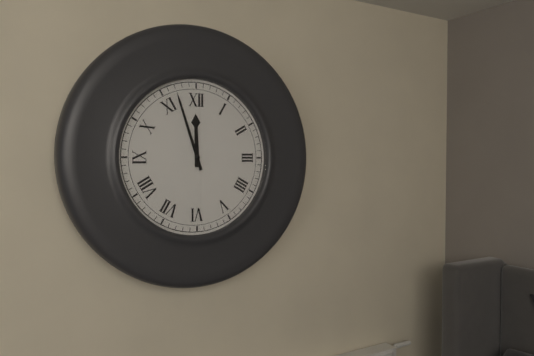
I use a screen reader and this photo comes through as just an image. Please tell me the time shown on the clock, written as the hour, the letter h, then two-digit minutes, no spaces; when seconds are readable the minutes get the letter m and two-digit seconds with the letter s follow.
11h57
